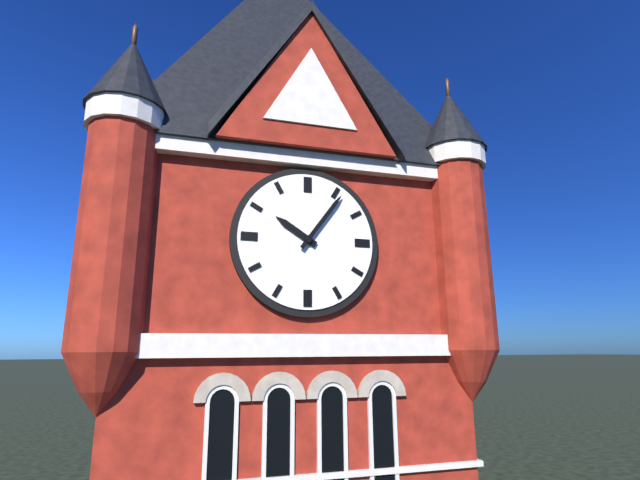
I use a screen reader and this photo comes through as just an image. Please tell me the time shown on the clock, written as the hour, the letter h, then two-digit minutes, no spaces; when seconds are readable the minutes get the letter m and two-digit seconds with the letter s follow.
10h06
